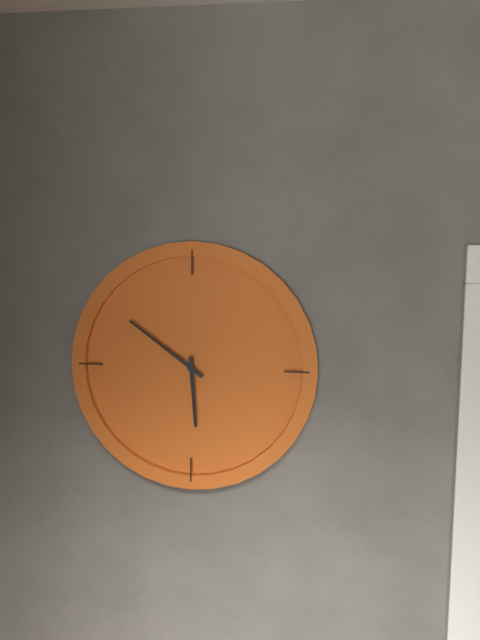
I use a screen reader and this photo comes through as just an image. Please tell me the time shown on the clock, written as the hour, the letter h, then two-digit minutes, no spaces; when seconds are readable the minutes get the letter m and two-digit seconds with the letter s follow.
5h51
